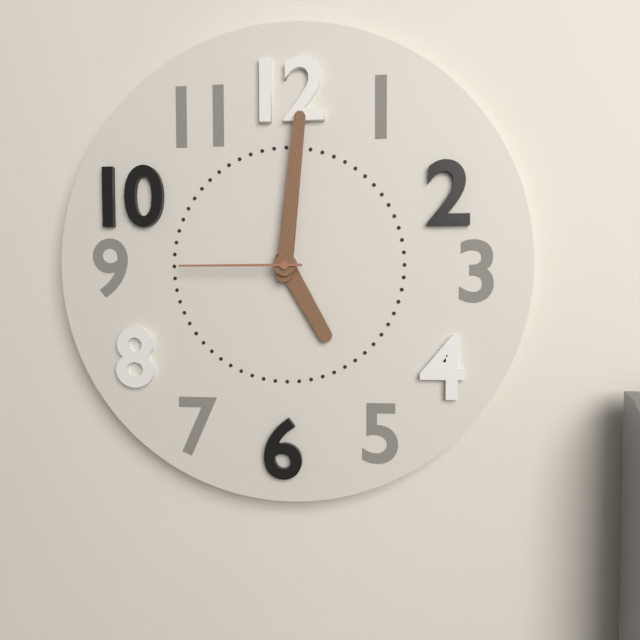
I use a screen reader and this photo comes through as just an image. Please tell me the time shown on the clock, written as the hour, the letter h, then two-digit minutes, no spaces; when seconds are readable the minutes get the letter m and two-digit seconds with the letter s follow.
5h01m45s
